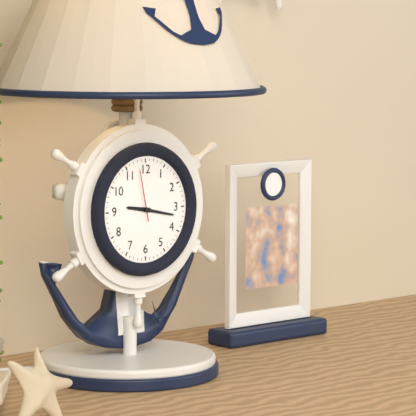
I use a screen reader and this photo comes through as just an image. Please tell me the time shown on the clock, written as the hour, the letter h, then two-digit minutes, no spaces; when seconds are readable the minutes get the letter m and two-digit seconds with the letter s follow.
9h17m58s
